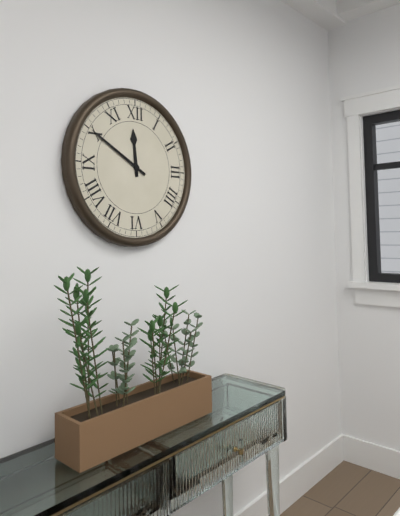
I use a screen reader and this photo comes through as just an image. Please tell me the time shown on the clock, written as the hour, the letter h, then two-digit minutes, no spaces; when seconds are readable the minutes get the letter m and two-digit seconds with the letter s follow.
11h50
